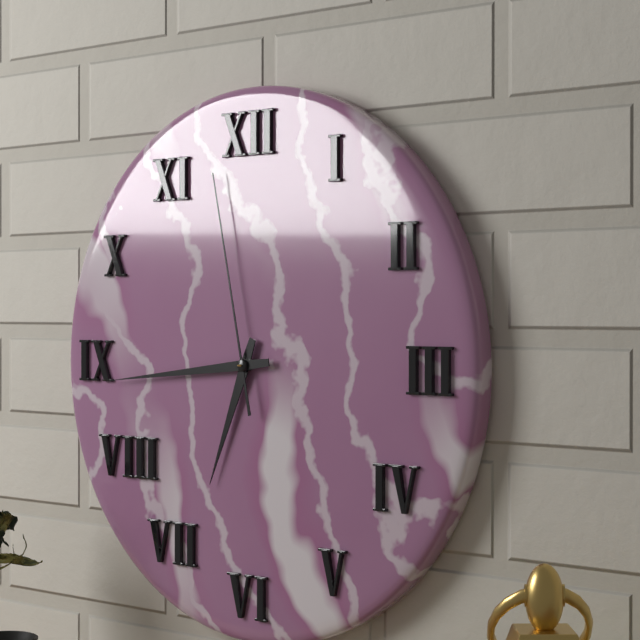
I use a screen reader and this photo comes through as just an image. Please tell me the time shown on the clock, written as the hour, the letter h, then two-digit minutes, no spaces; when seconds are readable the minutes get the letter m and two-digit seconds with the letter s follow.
6h44m58s
